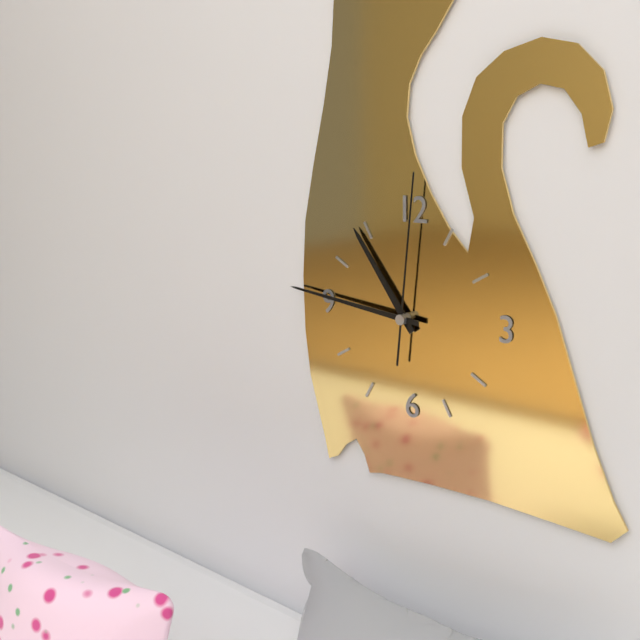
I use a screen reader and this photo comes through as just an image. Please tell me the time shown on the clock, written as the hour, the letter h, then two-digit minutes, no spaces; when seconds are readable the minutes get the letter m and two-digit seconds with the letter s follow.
10h46m01s
